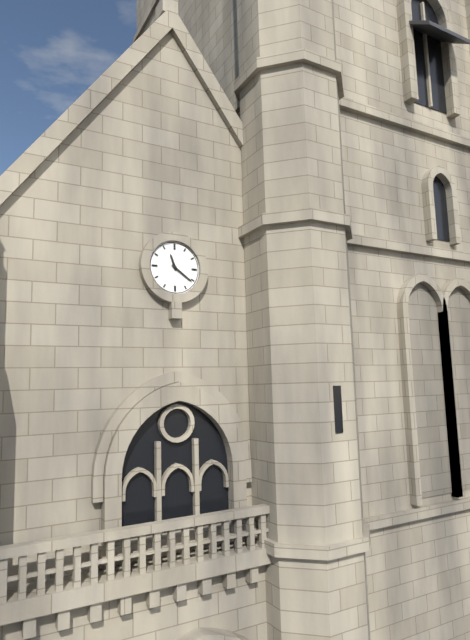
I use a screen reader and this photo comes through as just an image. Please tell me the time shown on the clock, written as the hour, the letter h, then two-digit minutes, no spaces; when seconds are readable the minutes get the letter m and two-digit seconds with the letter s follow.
11h21
